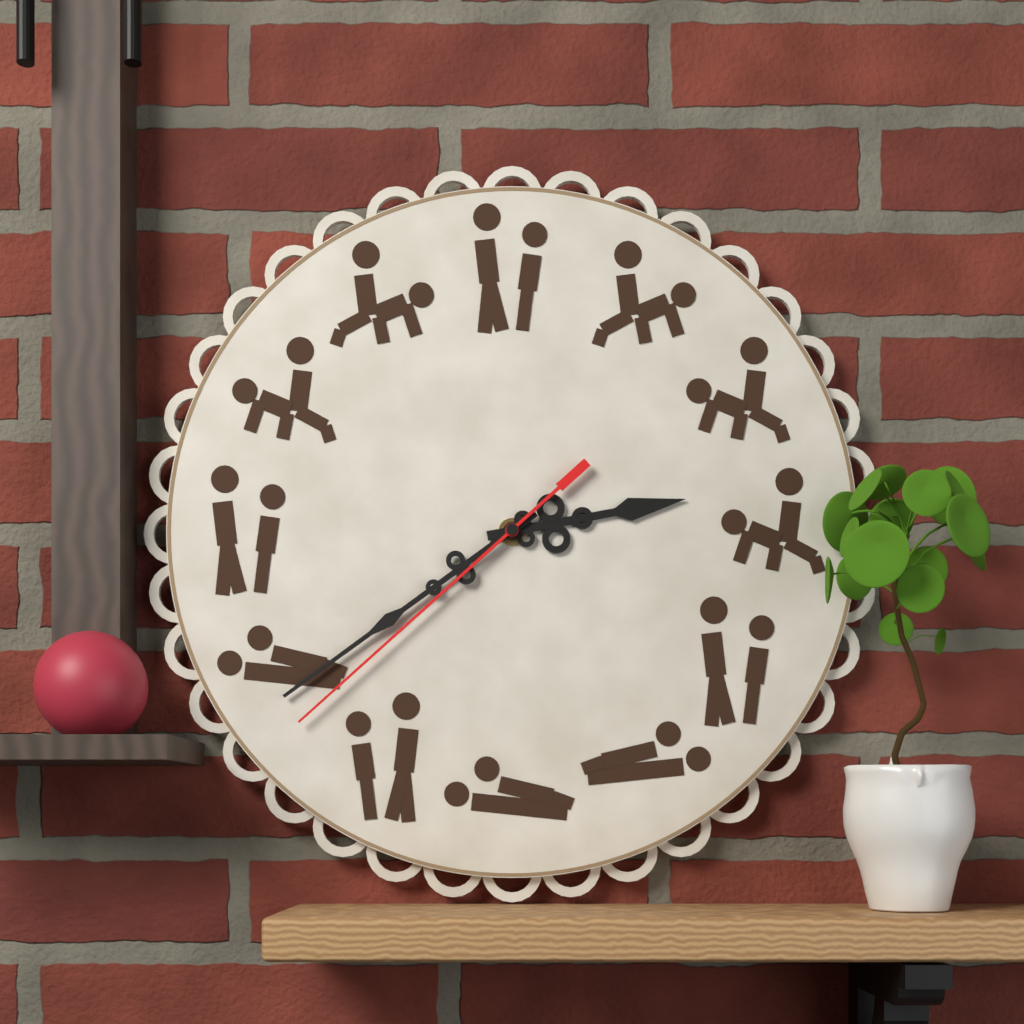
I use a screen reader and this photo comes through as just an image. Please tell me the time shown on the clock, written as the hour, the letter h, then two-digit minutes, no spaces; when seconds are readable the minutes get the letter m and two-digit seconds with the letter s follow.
2h39m38s
